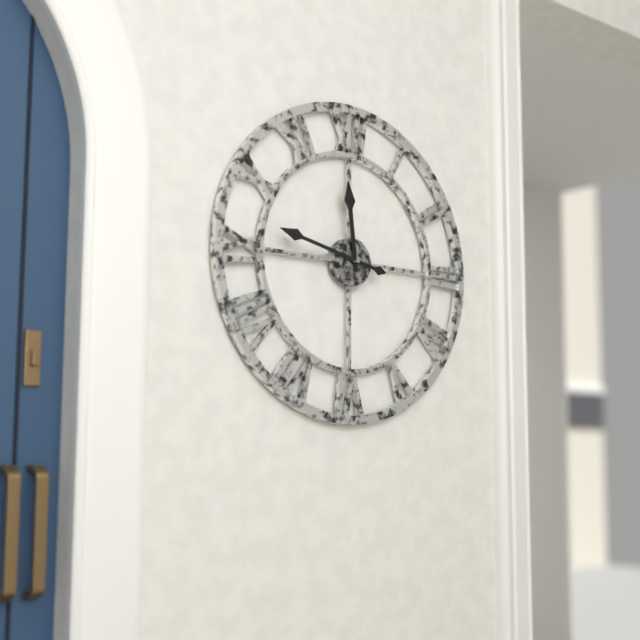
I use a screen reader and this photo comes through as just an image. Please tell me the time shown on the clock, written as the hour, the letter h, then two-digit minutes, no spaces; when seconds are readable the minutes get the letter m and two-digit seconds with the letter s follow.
11h47
